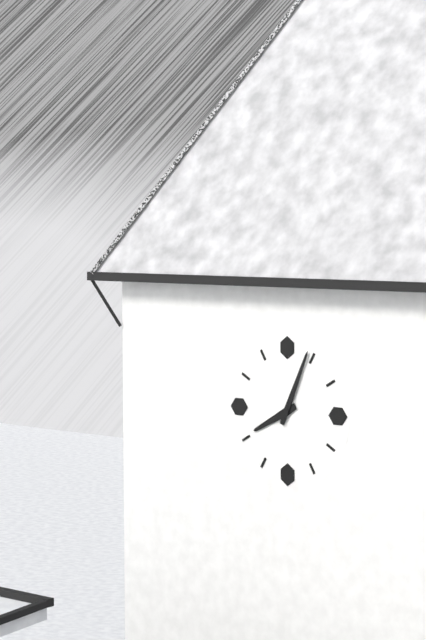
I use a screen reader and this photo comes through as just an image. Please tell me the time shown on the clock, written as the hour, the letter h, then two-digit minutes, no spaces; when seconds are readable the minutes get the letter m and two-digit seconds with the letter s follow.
8h04
